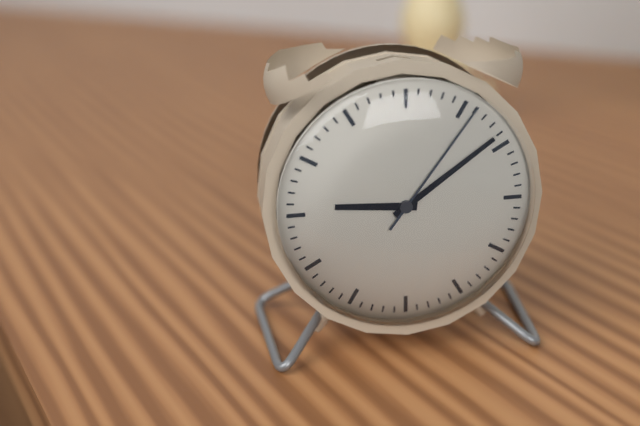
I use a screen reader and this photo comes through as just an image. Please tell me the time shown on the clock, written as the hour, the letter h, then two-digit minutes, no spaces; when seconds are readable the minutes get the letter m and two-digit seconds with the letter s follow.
9h09m06s
